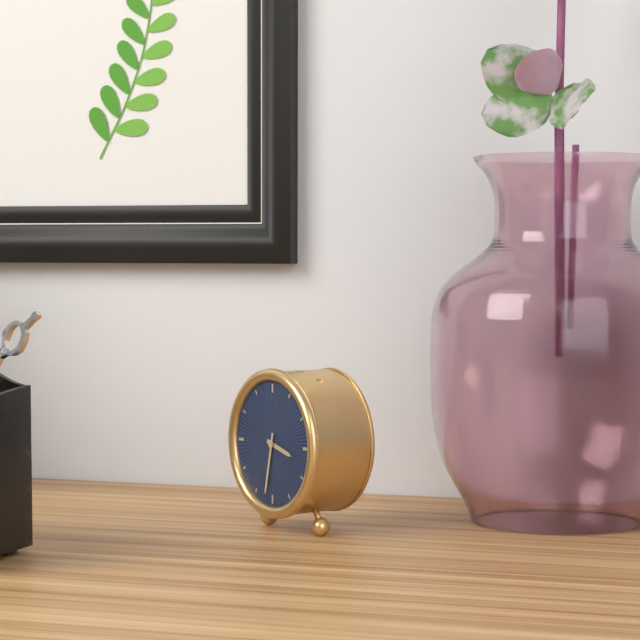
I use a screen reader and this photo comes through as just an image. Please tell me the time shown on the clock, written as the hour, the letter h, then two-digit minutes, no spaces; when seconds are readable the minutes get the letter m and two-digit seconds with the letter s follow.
3h32
